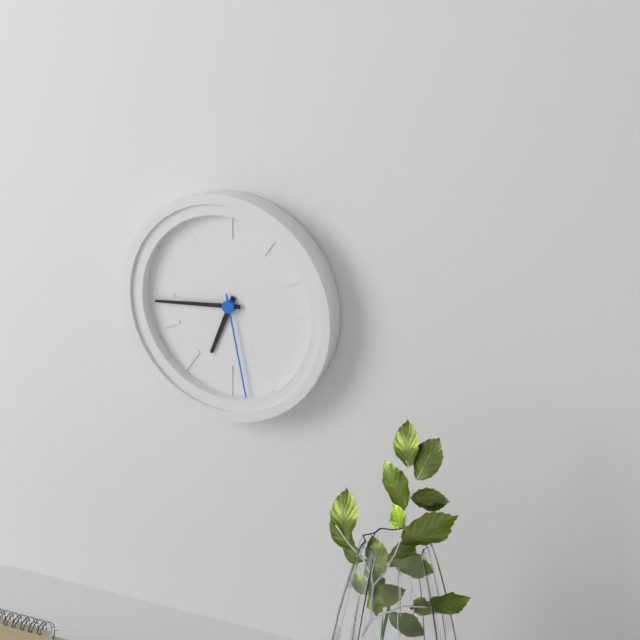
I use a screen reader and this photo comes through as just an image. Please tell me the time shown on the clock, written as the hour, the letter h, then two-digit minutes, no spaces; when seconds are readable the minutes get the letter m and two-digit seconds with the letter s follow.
6h44m28s
